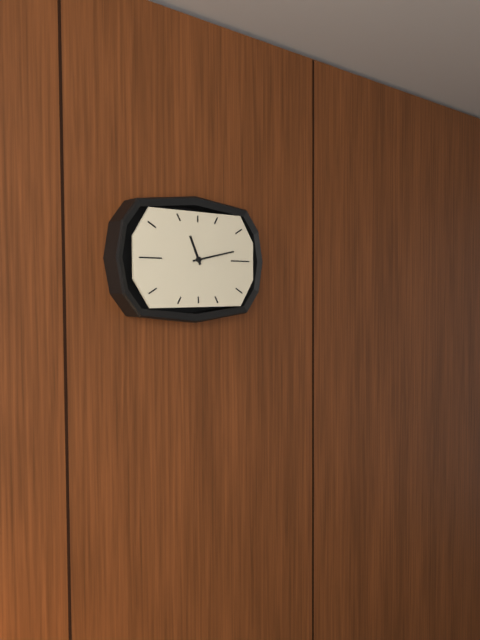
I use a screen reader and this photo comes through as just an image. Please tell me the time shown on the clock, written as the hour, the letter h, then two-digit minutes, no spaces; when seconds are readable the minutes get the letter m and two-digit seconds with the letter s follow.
11h13
